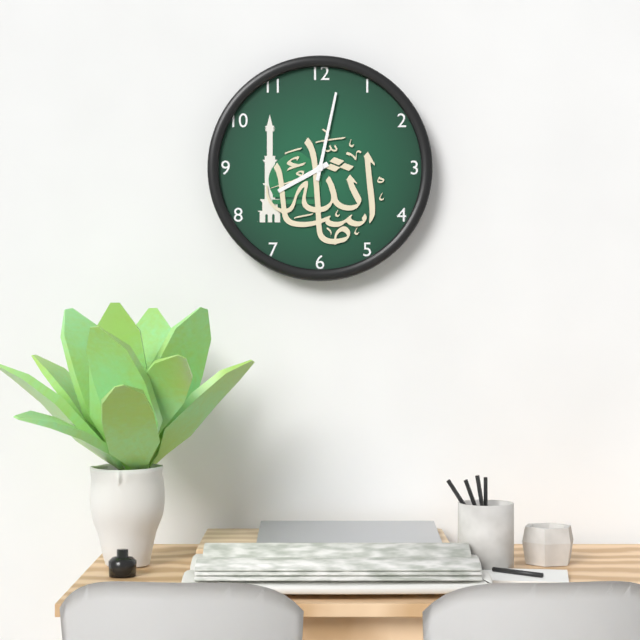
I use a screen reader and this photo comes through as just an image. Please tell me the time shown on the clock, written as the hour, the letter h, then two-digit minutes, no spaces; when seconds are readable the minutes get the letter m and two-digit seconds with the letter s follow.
8h02
